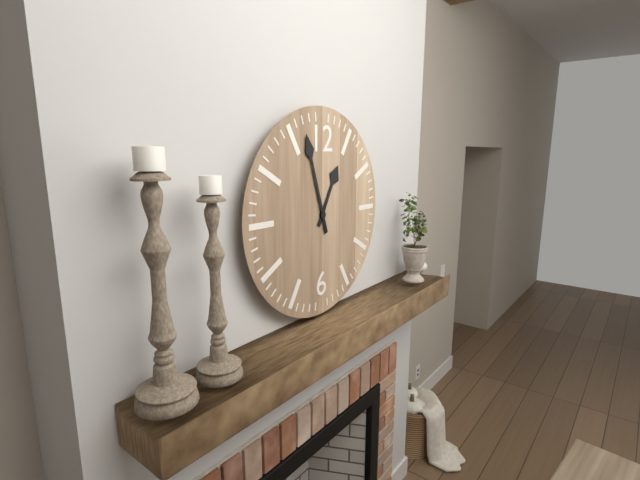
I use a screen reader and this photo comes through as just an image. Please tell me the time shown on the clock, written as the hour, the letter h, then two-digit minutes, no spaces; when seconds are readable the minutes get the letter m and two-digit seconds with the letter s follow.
12h57
